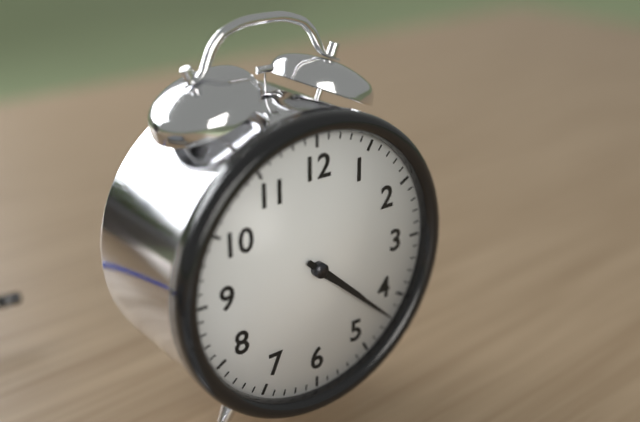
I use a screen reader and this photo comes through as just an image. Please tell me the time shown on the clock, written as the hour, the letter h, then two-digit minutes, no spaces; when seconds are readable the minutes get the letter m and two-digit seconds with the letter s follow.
4h22
